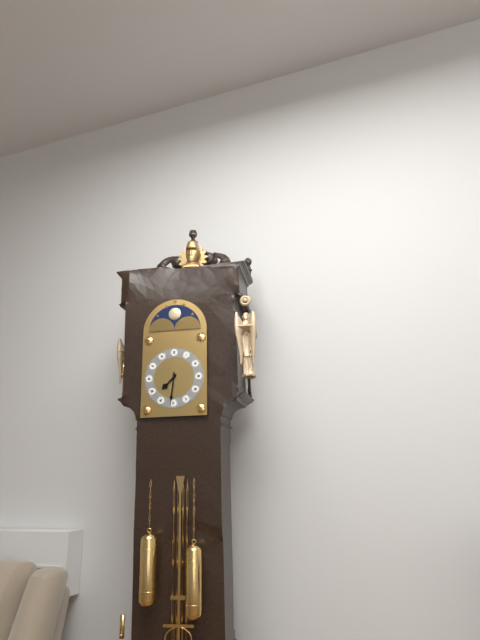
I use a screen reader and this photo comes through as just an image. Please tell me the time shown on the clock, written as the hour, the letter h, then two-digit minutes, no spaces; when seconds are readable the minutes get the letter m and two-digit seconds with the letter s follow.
7h31
